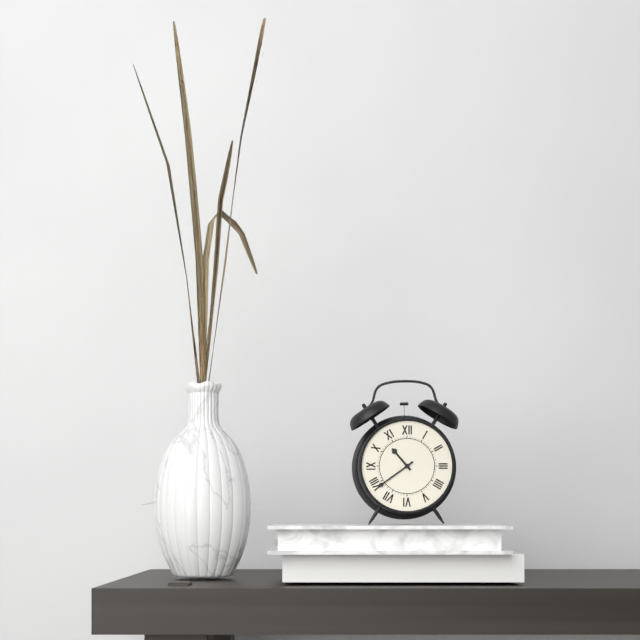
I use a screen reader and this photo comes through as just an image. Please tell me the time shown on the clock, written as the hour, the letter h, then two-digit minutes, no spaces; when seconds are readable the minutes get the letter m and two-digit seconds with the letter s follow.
10h39
